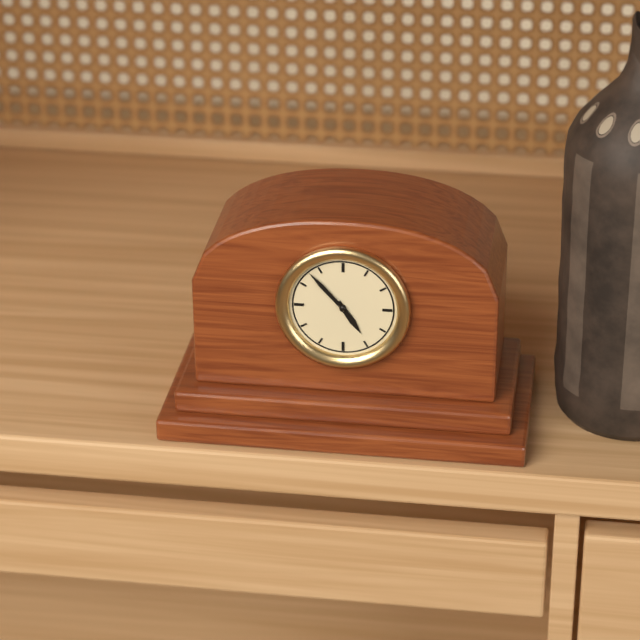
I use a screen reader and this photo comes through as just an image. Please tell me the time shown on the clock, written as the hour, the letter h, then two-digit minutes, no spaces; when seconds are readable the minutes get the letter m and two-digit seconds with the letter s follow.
4h53
